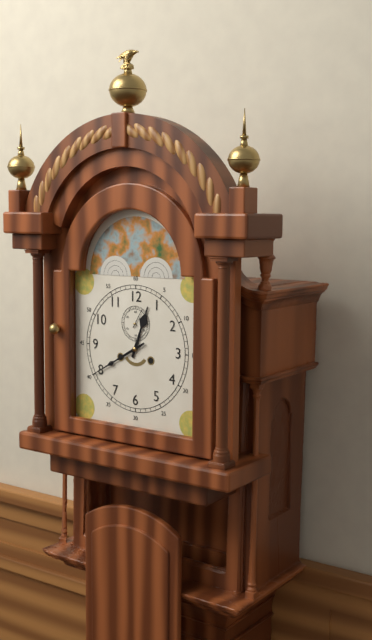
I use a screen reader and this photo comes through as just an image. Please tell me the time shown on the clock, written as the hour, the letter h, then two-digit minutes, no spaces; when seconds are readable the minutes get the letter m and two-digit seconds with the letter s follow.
12h40
